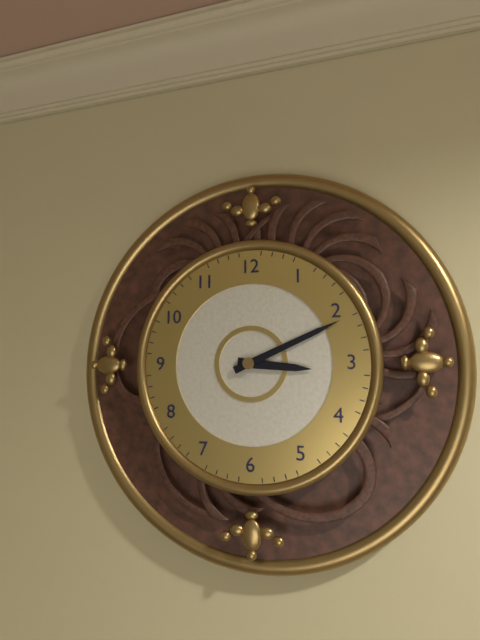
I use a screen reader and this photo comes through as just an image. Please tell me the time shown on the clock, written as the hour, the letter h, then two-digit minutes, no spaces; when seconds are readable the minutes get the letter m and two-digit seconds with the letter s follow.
3h11
